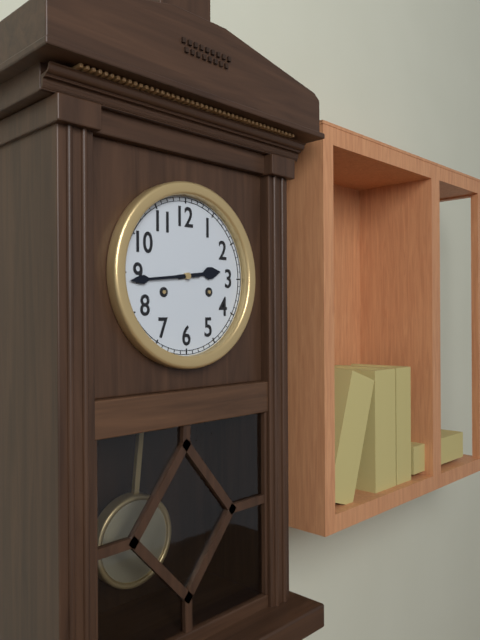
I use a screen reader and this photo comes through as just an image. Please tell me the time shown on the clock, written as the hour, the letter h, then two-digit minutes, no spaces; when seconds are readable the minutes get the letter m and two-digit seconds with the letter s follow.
2h44
